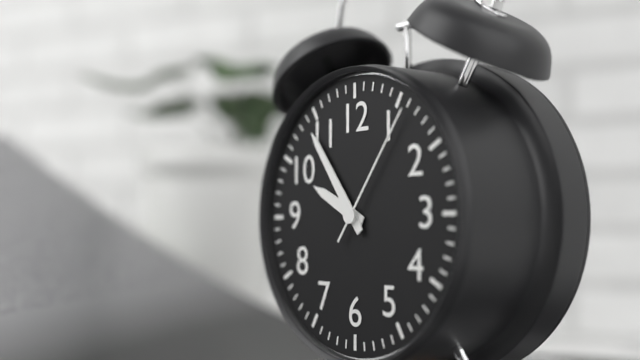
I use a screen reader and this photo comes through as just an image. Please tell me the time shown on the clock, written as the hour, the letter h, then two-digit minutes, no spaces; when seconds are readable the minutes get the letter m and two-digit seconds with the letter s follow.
9h54m06s
